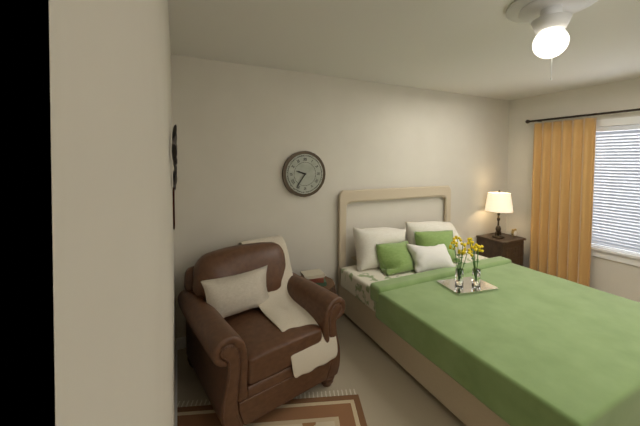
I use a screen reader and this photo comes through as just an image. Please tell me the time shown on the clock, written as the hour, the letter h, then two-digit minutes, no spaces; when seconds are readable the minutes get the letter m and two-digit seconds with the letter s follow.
9h36
